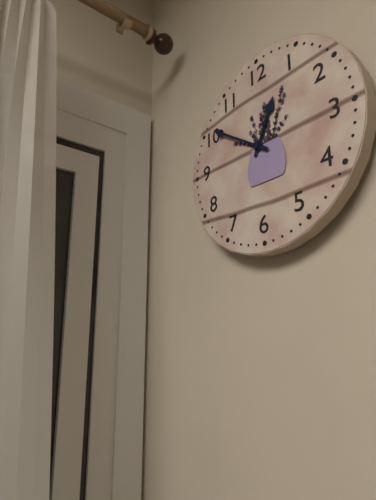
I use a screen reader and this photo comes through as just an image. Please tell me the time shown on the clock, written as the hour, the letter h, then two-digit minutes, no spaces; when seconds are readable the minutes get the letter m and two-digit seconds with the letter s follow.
12h51
